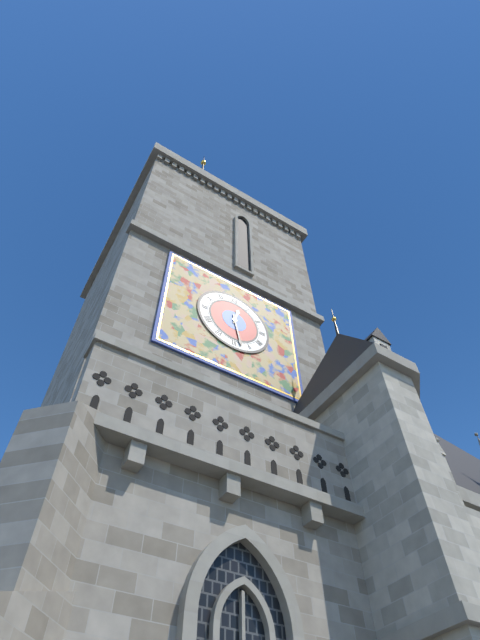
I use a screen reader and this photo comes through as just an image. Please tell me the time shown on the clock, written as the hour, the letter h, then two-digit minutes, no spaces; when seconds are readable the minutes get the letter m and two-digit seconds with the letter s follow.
12h28
